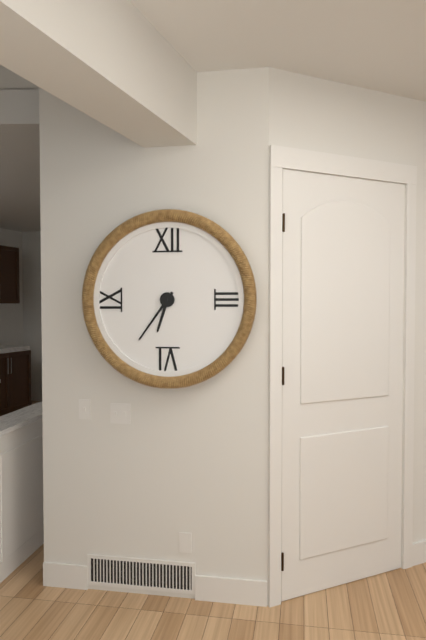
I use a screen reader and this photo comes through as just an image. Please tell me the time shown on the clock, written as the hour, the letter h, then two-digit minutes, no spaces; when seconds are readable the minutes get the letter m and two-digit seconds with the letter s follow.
6h36
